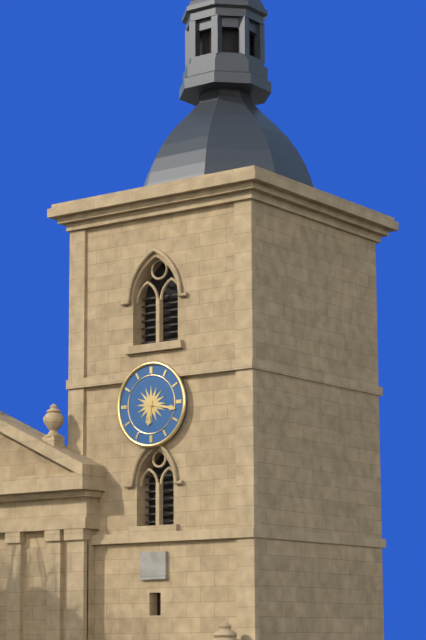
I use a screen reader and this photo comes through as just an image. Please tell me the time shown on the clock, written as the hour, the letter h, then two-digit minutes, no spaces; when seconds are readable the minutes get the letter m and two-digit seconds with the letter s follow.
6h17
